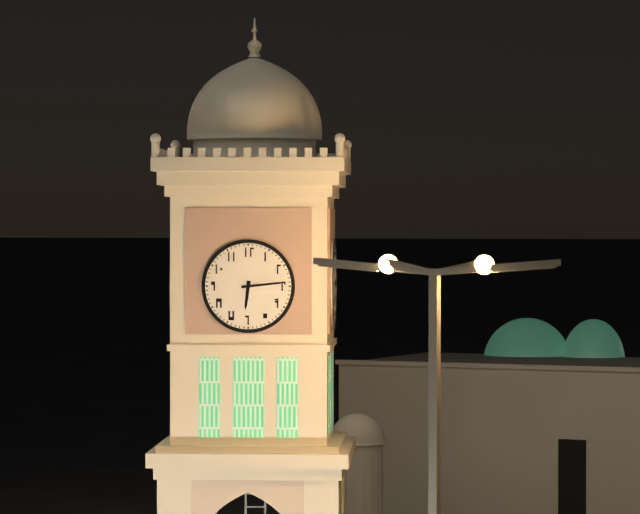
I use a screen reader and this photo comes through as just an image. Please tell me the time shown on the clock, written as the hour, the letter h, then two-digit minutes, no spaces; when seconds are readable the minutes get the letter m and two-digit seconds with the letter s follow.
6h14
